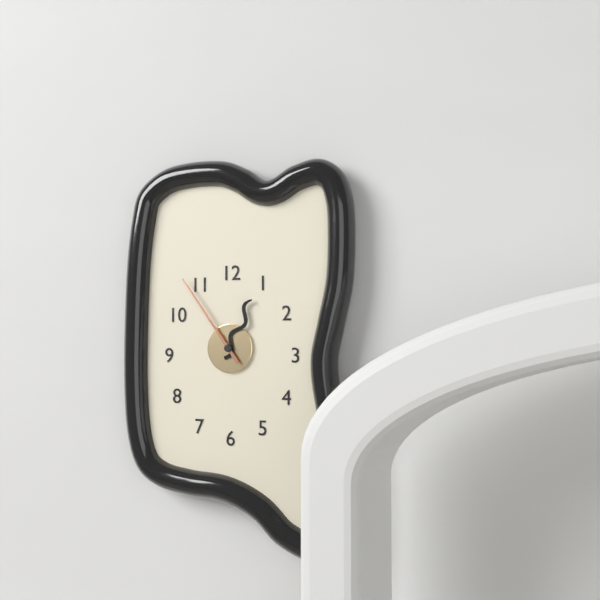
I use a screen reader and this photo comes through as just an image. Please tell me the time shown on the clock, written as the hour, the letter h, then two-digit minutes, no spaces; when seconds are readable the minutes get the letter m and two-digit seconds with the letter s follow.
12h54
